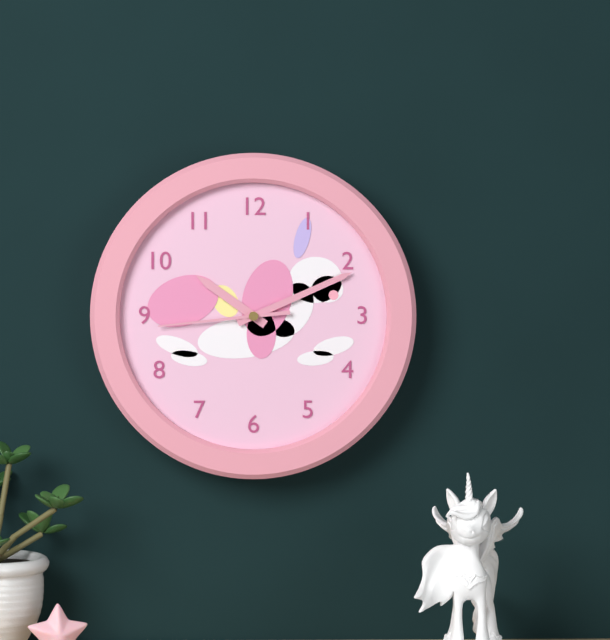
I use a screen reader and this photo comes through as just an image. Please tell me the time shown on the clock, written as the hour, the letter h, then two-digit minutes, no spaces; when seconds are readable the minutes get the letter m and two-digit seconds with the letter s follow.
10h11m44s
